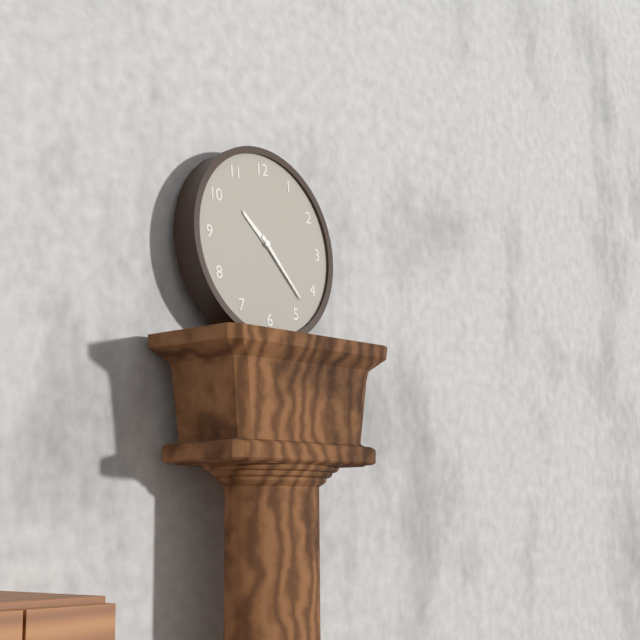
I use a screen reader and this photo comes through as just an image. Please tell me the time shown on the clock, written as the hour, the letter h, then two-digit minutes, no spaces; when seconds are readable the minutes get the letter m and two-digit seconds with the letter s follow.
10h23
